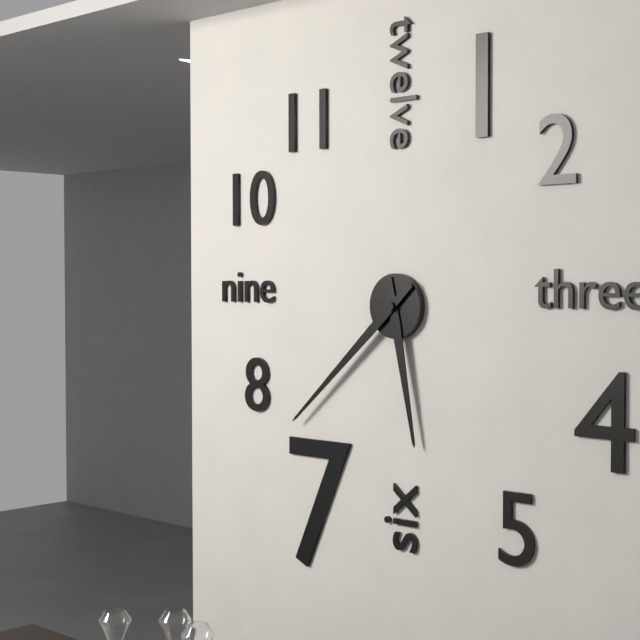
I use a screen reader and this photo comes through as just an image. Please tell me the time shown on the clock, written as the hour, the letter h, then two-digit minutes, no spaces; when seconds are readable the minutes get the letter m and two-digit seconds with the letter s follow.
5h38
